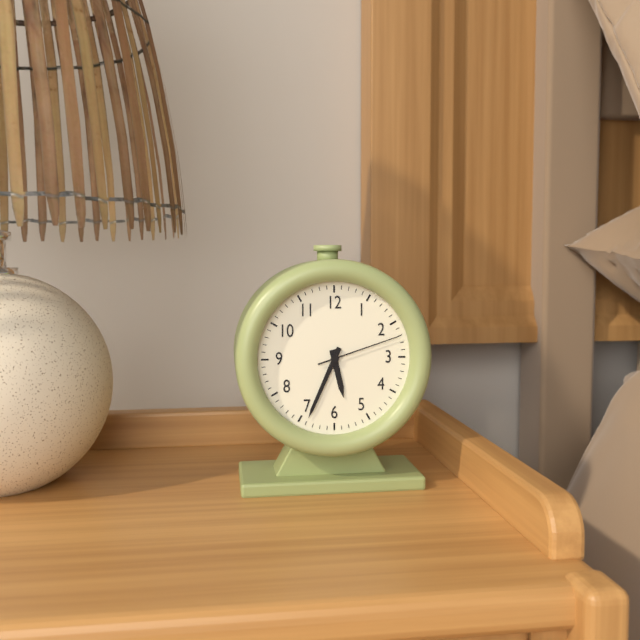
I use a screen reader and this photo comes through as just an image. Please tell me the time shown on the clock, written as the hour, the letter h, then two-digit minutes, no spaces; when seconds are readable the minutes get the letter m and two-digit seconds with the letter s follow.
5h34m12s
